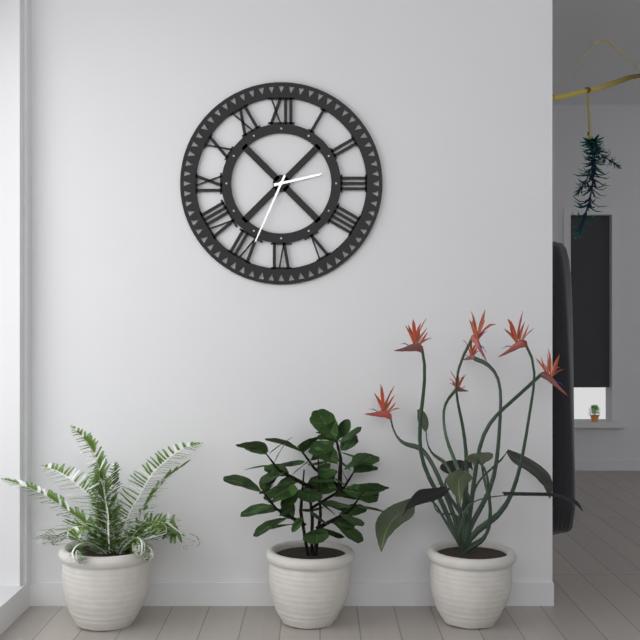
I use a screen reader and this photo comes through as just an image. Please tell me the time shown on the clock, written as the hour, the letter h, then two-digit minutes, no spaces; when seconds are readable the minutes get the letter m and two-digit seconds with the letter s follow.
2h34
